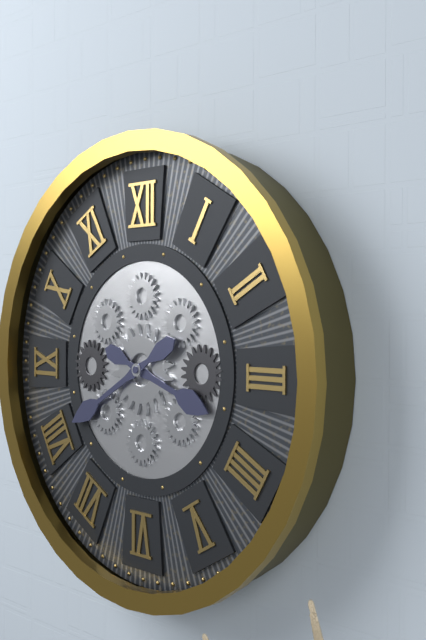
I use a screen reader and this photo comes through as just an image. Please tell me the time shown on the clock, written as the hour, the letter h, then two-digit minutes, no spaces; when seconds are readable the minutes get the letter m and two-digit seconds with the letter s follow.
3h40
